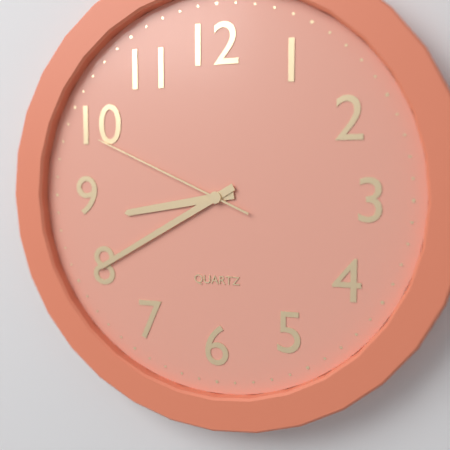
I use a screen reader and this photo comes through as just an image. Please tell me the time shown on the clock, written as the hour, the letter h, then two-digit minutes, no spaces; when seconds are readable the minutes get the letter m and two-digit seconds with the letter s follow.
8h40m49s
